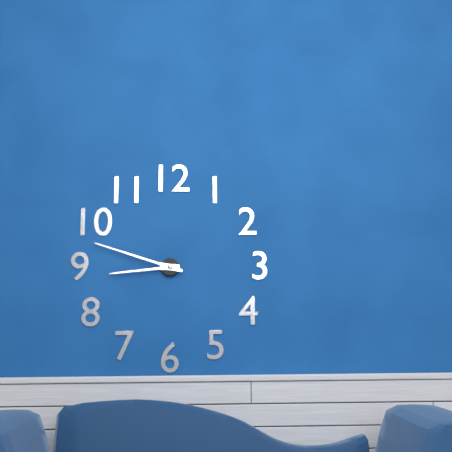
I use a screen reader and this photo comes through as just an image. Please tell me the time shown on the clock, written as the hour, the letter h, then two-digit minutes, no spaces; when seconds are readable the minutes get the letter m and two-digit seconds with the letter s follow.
8h48
